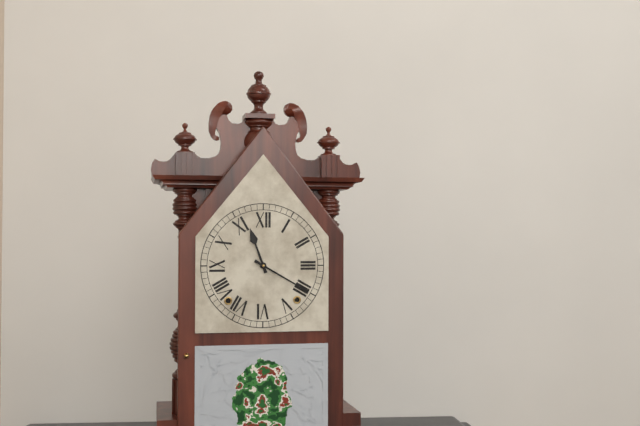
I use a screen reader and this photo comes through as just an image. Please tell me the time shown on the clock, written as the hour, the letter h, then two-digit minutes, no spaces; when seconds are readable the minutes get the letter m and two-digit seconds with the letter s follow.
11h20
